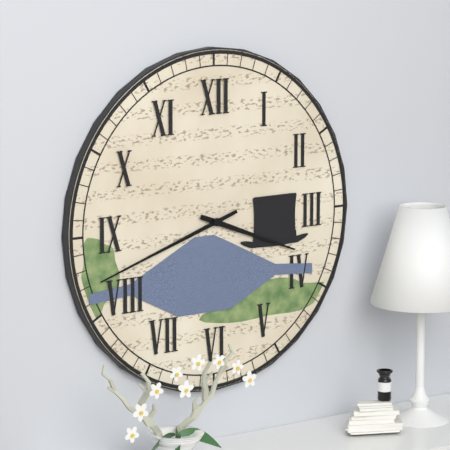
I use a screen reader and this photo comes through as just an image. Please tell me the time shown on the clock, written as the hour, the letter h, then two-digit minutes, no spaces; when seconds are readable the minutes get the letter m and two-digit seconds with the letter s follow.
3h42
